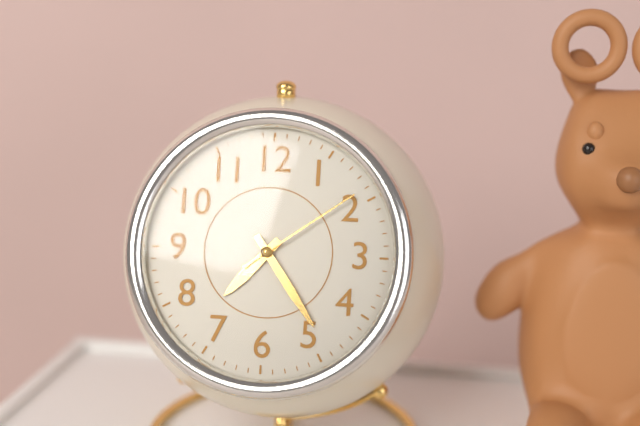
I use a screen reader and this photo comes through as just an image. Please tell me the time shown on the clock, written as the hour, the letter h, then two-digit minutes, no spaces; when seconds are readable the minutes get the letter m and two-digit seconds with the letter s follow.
7h24m09s
